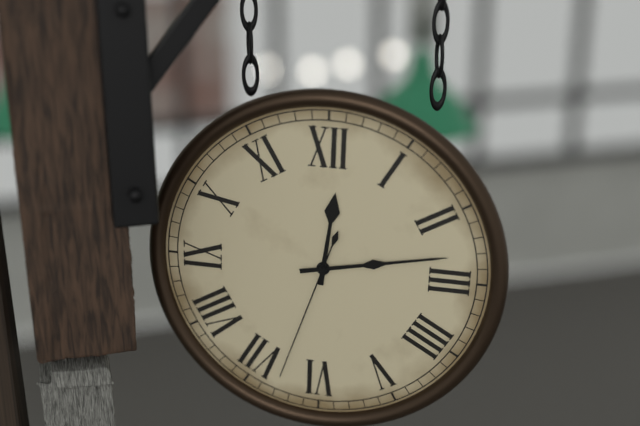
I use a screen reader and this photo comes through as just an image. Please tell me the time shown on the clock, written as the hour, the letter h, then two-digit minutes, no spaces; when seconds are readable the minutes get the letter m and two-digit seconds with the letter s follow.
12h13m33s
